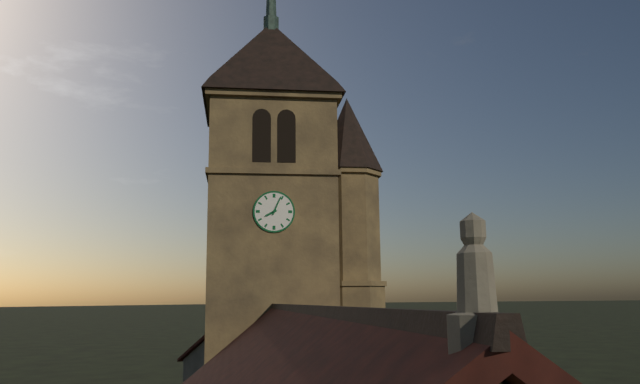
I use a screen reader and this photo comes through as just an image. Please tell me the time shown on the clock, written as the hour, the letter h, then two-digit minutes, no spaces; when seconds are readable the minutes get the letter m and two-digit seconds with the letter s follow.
8h04
